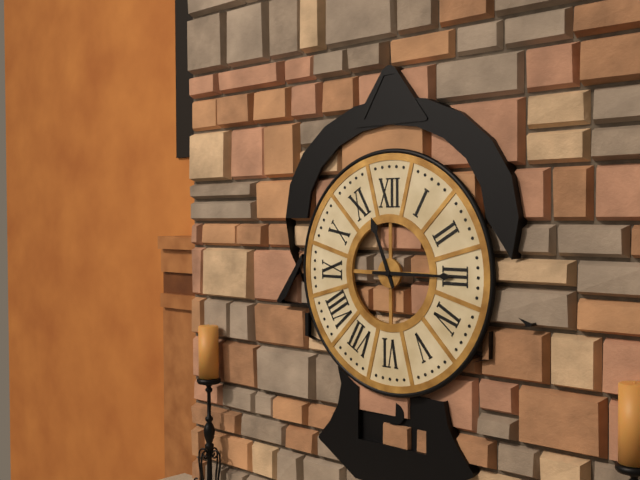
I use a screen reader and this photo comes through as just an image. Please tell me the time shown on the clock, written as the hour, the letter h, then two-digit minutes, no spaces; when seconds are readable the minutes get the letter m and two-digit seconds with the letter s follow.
11h15
